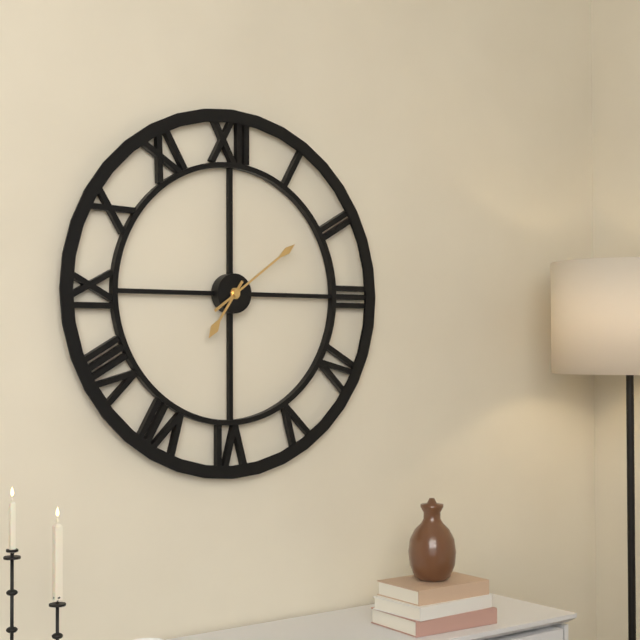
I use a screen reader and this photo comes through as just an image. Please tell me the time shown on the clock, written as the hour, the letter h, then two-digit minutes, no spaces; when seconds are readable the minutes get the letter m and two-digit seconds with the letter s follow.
7h09
